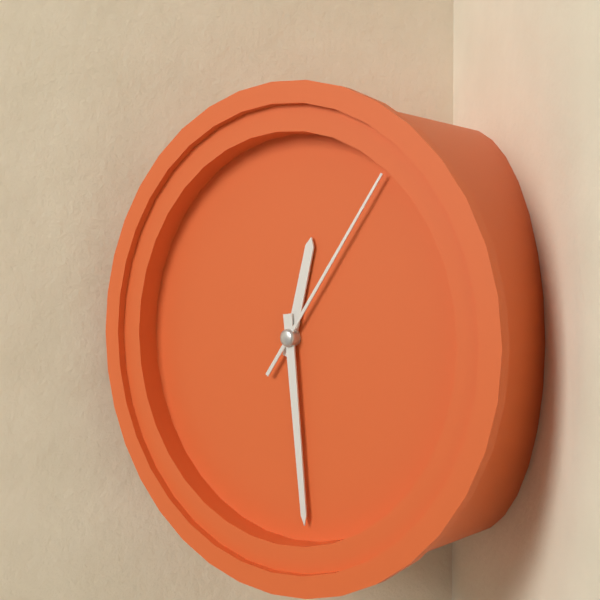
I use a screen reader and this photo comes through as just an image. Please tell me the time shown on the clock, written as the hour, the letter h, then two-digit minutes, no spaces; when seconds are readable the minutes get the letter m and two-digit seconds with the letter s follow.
12h29m06s
